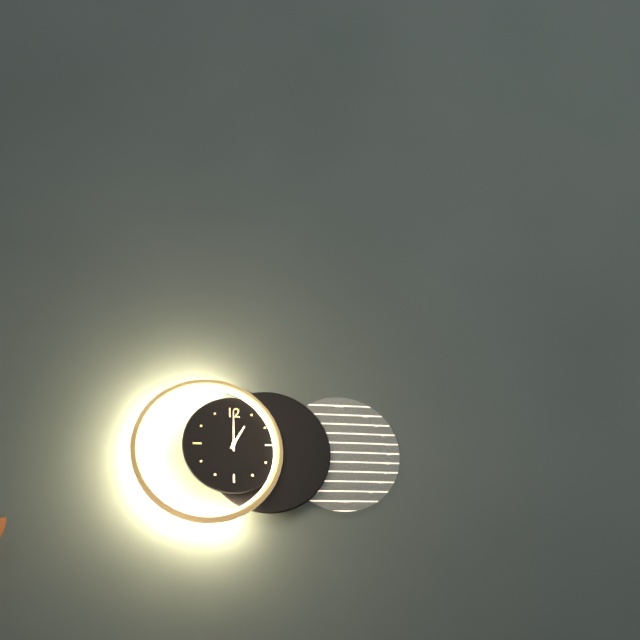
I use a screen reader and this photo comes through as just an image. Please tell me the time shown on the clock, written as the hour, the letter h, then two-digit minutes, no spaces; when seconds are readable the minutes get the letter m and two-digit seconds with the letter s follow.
1h00
